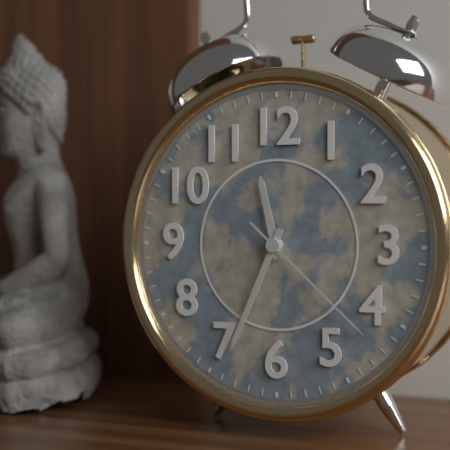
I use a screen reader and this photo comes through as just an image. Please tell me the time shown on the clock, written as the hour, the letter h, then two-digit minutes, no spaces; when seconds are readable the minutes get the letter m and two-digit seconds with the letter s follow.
11h34m22s
